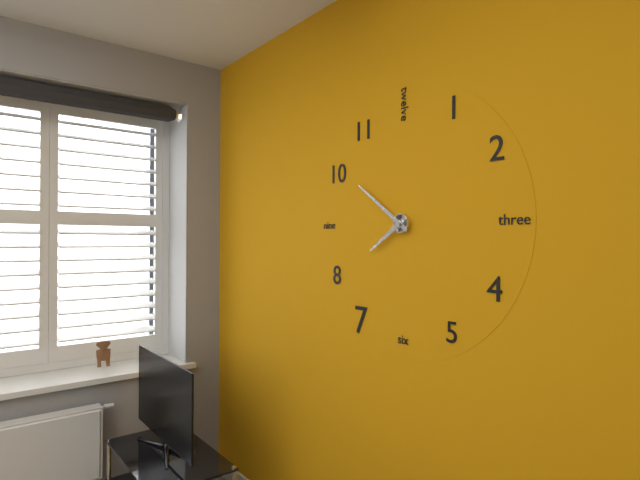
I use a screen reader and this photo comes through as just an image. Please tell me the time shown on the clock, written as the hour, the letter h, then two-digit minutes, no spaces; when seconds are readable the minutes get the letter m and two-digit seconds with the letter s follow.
7h51
